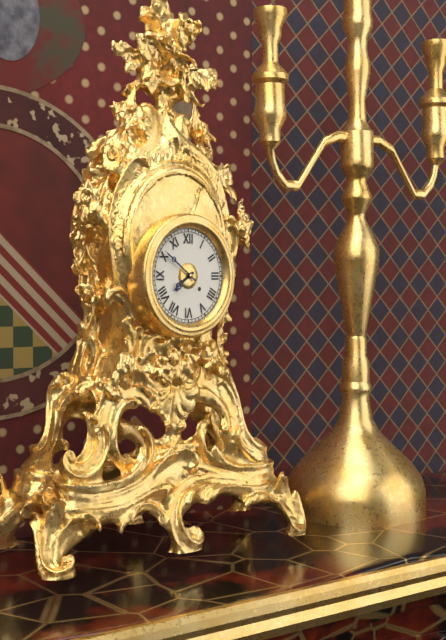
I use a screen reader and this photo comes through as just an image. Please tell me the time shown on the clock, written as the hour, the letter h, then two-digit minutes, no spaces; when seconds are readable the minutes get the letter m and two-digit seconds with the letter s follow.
7h51
